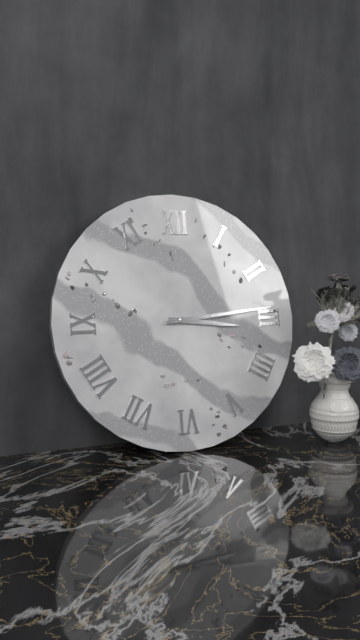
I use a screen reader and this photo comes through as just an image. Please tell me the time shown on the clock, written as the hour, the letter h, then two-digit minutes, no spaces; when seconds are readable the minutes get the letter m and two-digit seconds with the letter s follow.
3h14
